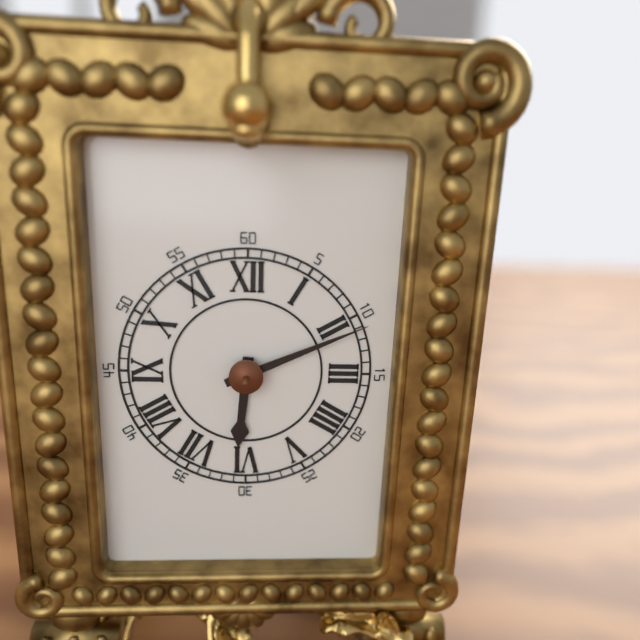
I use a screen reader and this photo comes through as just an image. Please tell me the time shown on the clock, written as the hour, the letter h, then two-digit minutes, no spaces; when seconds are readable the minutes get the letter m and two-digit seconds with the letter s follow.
6h11
